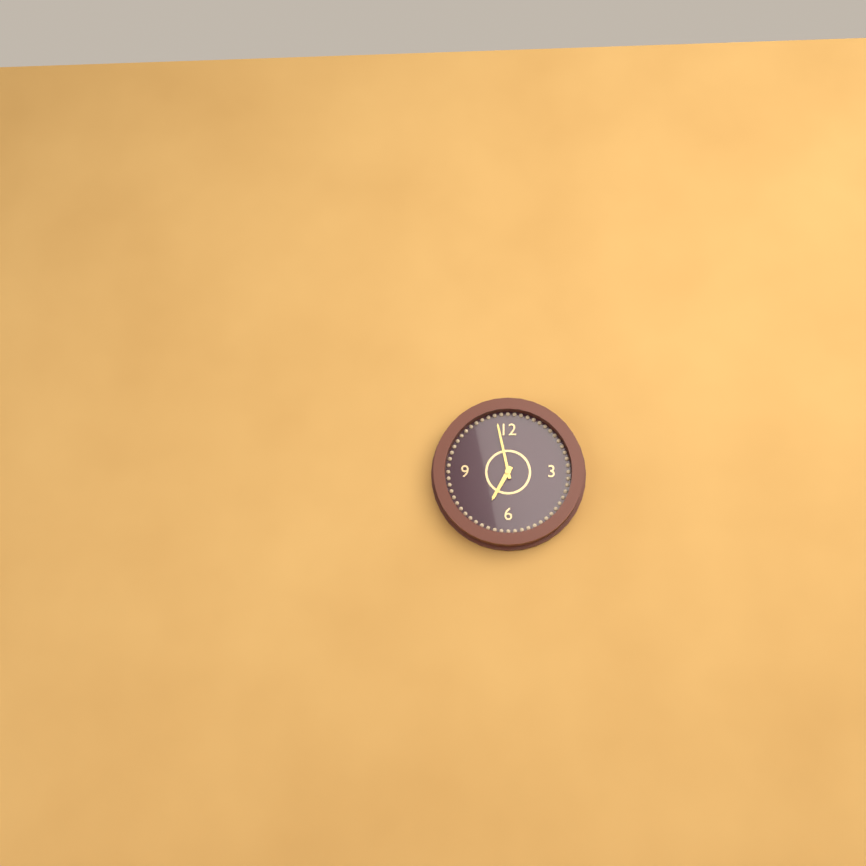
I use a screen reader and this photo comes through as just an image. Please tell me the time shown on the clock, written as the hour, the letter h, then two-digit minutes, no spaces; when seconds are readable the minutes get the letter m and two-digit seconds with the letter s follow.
6h58
